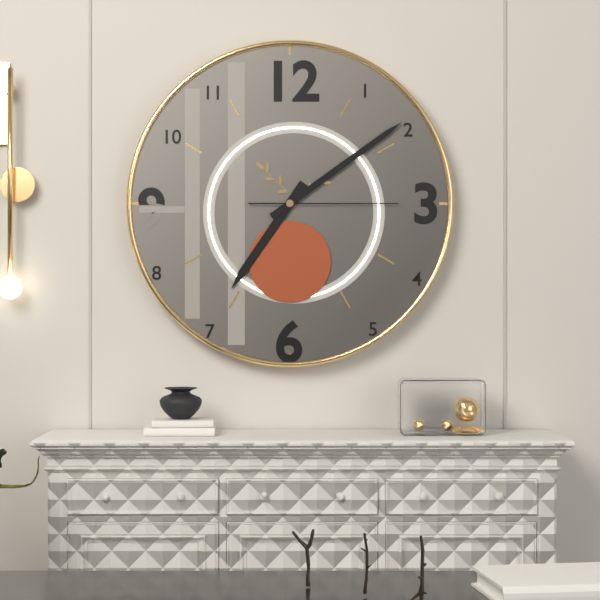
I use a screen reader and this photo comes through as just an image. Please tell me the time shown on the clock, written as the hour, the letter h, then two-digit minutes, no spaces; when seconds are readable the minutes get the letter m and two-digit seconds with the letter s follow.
7h09m15s
